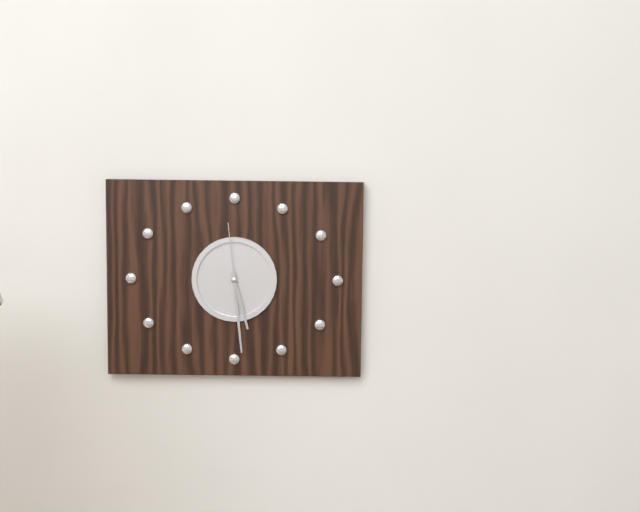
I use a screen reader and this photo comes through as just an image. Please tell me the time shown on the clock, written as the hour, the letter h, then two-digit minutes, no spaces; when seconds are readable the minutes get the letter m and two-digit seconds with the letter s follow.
5h29m59s
